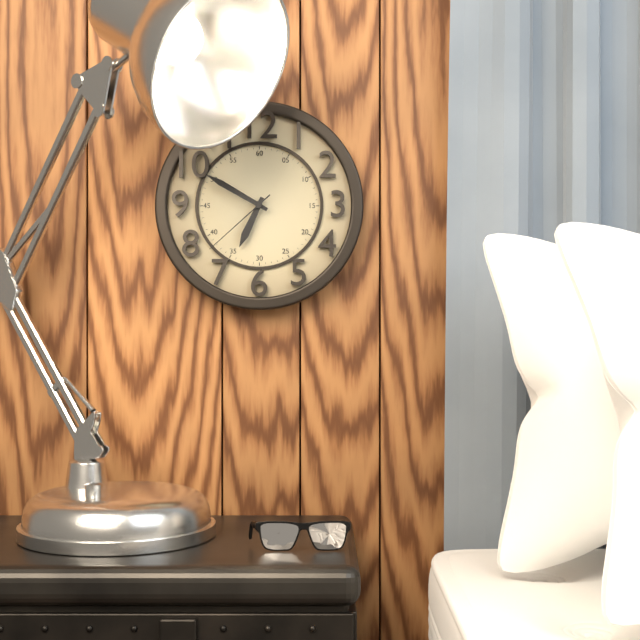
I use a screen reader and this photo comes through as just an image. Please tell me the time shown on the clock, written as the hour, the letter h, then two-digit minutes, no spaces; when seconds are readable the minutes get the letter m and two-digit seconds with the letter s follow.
6h50m38s
